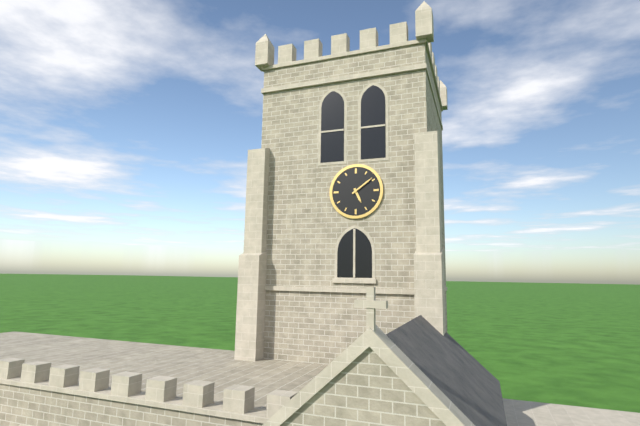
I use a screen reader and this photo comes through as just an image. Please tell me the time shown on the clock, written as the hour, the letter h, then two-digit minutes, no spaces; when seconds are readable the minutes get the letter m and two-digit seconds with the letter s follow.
5h09
